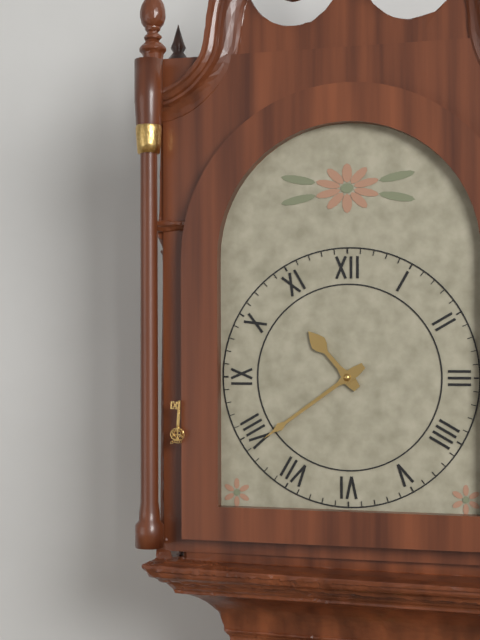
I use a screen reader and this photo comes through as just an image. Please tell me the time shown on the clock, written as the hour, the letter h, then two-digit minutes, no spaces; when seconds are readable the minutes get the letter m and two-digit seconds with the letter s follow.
10h39
